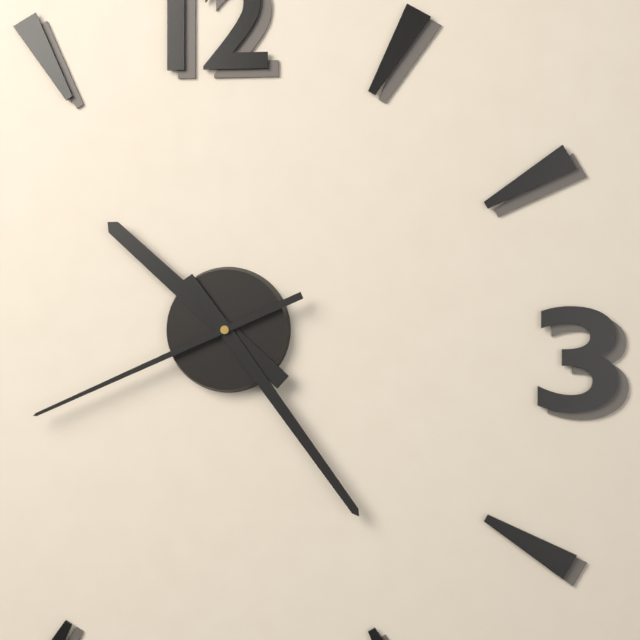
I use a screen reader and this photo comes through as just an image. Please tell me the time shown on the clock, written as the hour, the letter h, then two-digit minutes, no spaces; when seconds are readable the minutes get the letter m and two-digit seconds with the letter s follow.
10h24m41s
